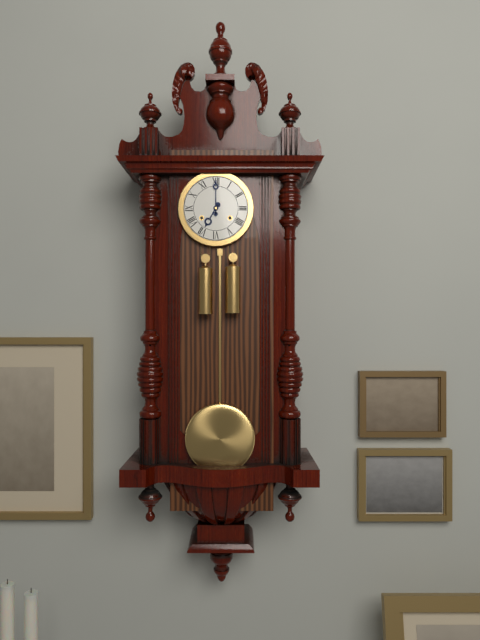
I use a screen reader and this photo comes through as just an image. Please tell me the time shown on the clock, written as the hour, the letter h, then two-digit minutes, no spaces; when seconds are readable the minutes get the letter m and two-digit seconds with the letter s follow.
7h00
